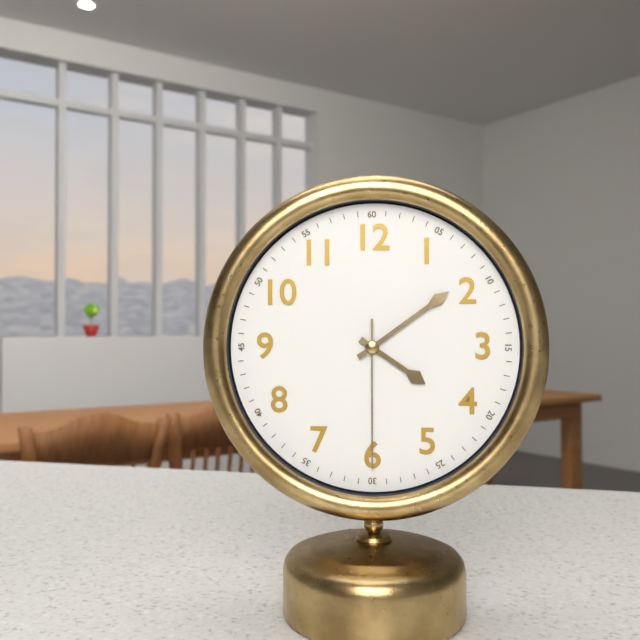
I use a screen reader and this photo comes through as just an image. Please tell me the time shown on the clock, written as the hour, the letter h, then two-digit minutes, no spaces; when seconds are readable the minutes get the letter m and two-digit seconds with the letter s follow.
4h09m30s
